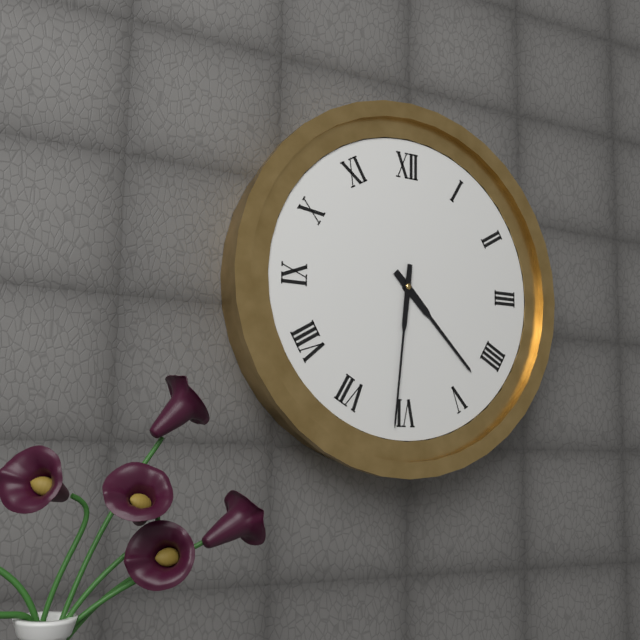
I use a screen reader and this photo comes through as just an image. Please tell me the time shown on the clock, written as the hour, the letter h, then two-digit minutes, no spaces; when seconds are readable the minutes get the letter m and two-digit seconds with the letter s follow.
4h31
